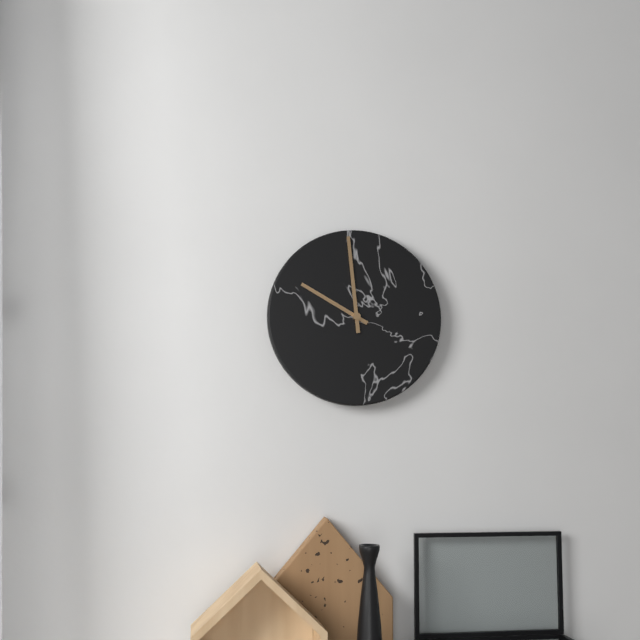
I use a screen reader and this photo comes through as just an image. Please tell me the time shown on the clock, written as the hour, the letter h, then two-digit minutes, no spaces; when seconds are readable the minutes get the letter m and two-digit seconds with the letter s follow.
9h59
